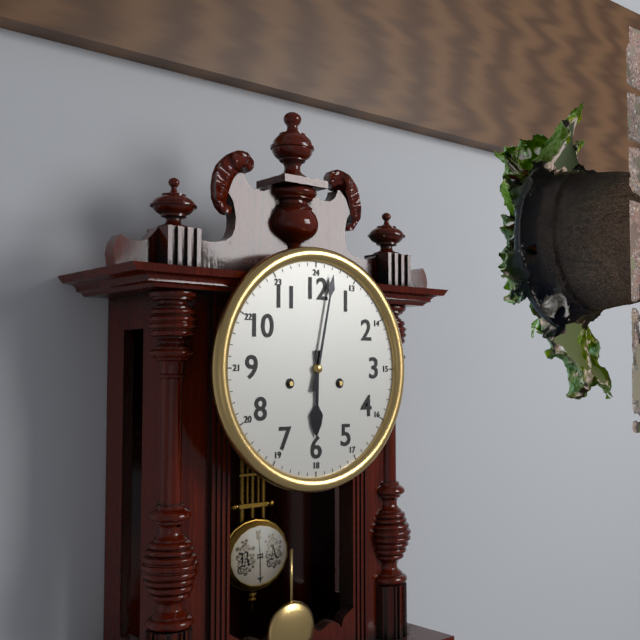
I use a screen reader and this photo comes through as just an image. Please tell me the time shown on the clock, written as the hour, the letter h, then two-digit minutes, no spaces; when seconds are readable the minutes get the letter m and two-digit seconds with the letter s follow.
6h02
